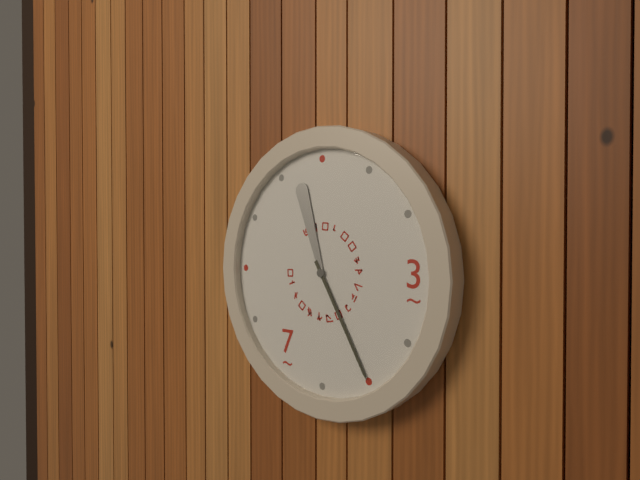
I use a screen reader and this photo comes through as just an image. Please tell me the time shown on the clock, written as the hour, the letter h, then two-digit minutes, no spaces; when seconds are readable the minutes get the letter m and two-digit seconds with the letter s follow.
11h25
